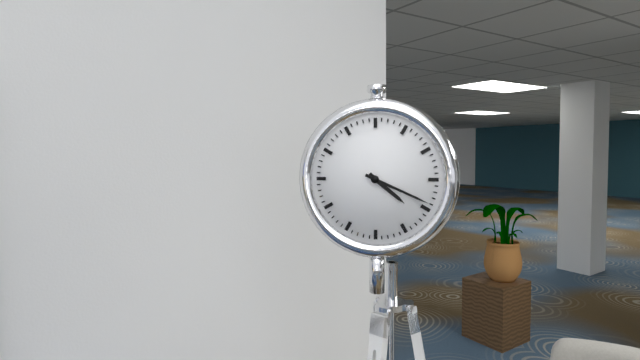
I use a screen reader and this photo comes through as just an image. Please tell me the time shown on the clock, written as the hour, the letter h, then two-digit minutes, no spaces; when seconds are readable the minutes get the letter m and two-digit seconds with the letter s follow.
4h19
